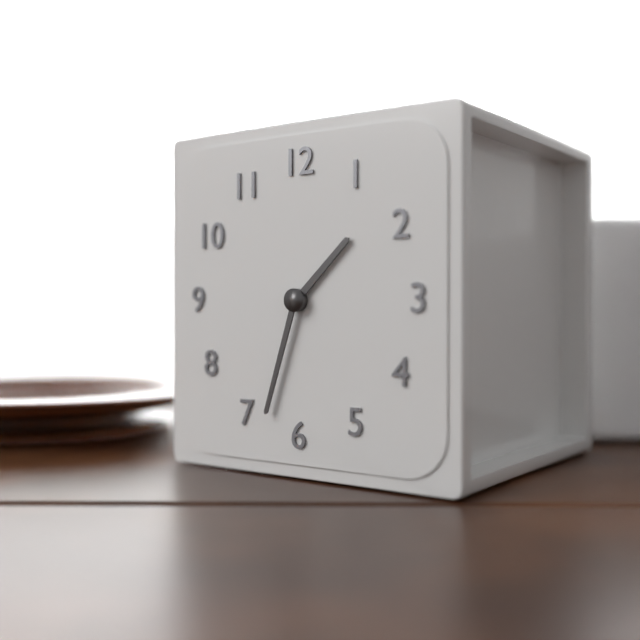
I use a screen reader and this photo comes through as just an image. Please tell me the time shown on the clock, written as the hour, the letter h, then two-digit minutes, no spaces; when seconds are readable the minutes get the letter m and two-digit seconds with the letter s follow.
1h33
